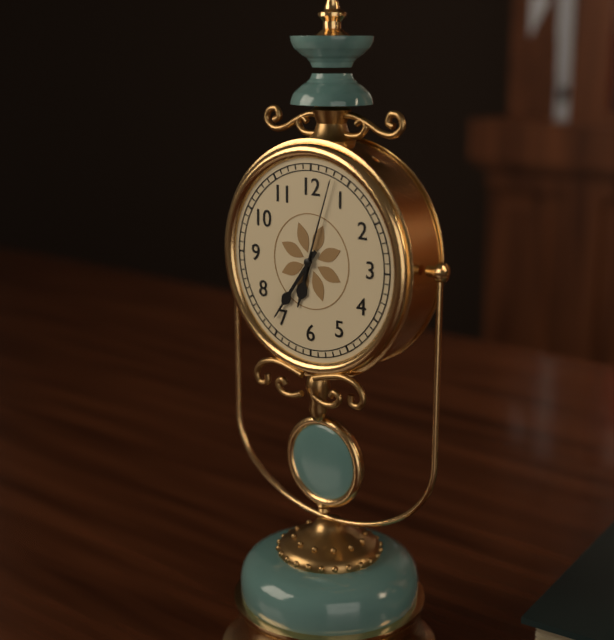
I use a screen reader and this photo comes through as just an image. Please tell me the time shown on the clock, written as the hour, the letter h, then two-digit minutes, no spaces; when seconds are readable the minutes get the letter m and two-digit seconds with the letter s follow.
6h36m03s
